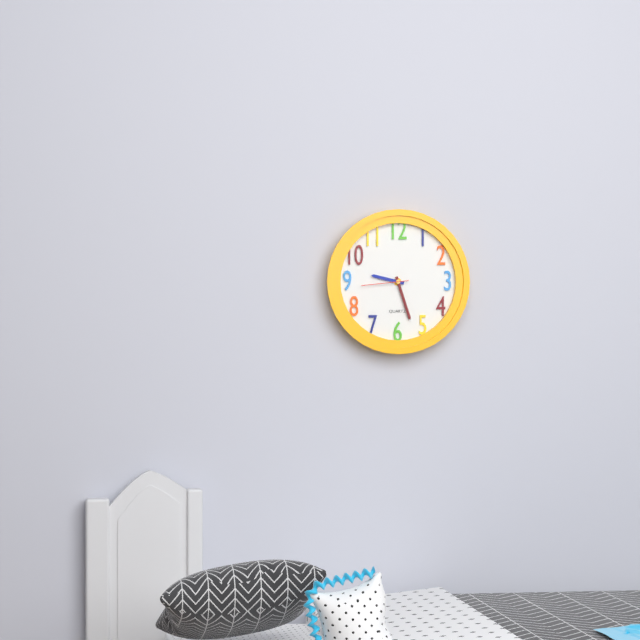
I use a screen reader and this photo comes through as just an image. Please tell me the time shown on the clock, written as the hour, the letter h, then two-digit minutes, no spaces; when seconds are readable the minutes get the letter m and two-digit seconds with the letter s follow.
9h27
